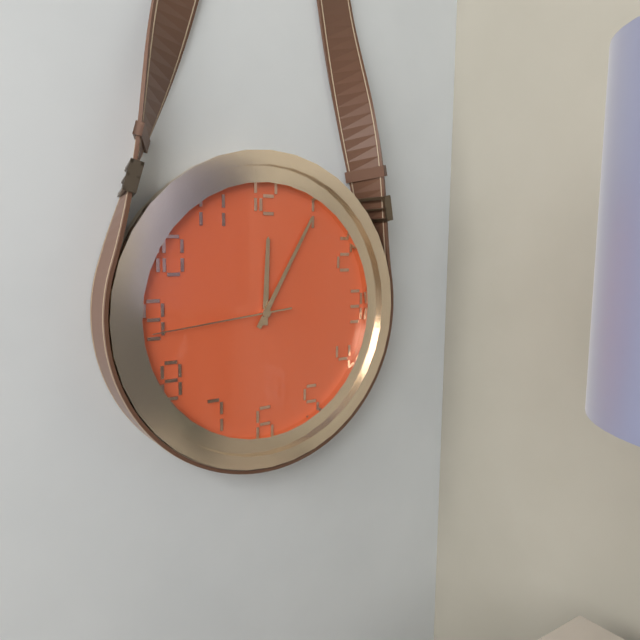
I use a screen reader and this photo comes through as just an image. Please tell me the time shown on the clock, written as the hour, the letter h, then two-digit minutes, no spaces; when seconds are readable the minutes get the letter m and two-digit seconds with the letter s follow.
12h05m44s
